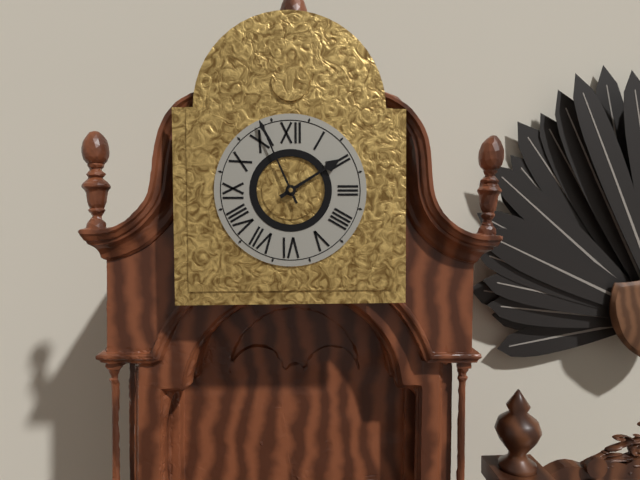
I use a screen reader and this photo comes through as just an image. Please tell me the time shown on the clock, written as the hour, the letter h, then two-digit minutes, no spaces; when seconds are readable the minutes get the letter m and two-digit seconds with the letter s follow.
1h56
